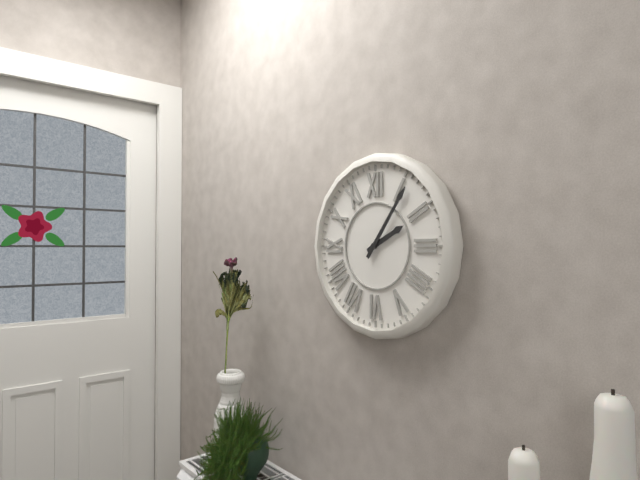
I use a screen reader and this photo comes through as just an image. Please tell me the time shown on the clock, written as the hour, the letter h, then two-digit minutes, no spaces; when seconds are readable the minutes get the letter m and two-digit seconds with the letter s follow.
2h06
